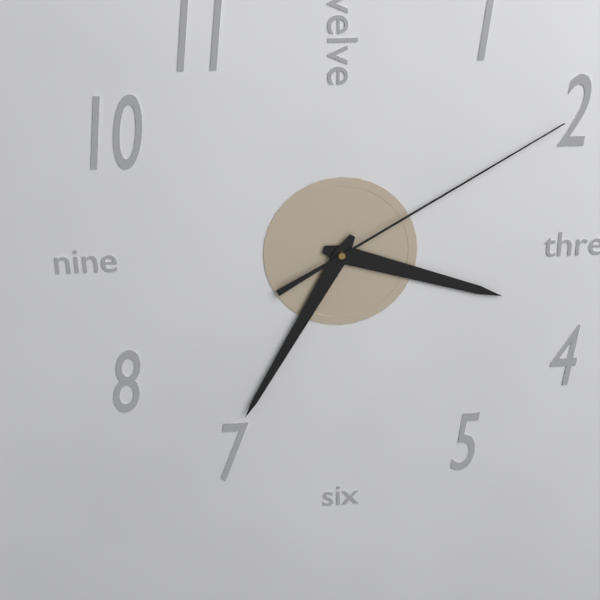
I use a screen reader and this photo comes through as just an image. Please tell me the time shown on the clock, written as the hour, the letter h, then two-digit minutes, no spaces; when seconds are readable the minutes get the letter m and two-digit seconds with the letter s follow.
3h35m10s
